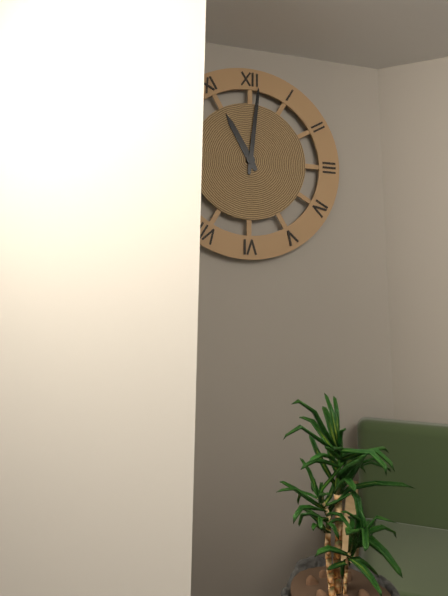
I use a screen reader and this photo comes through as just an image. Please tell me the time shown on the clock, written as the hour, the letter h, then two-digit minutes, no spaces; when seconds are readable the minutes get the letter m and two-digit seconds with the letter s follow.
11h01
